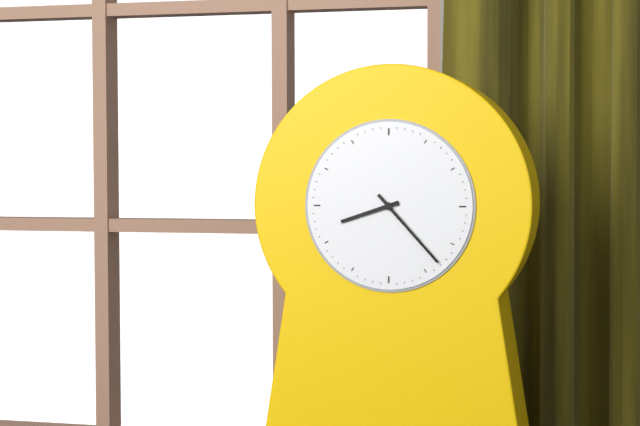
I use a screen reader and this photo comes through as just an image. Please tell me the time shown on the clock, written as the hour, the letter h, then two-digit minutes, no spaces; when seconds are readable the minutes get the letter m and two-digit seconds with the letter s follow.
8h23
